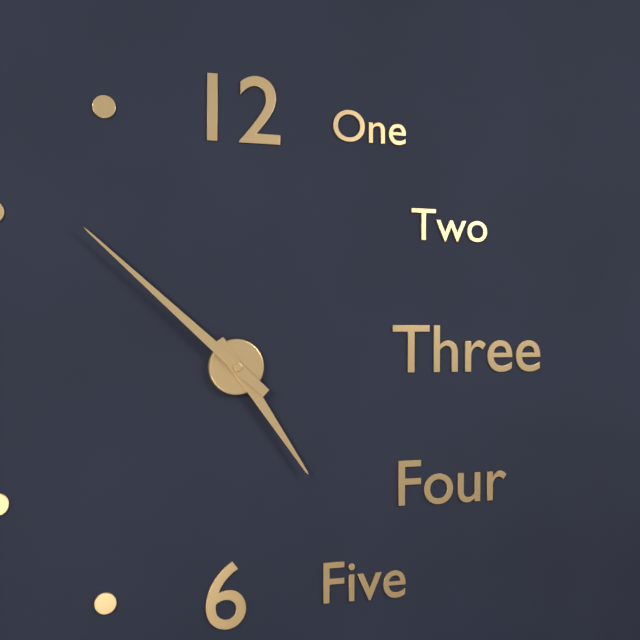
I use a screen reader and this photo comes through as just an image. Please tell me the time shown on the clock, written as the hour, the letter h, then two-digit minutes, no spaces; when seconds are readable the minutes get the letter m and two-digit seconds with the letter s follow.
4h52
